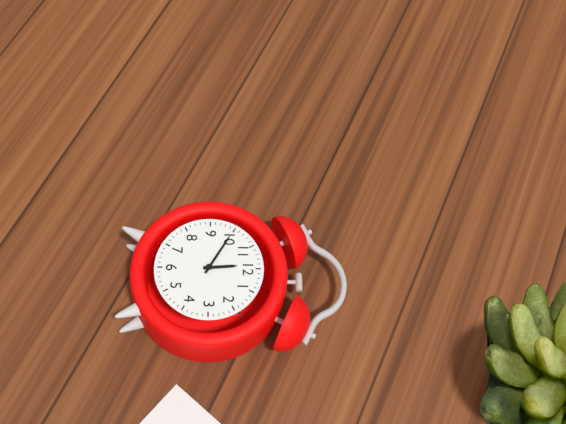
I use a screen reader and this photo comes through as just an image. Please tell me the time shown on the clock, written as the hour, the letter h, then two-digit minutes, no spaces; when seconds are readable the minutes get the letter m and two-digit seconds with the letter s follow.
11h50
